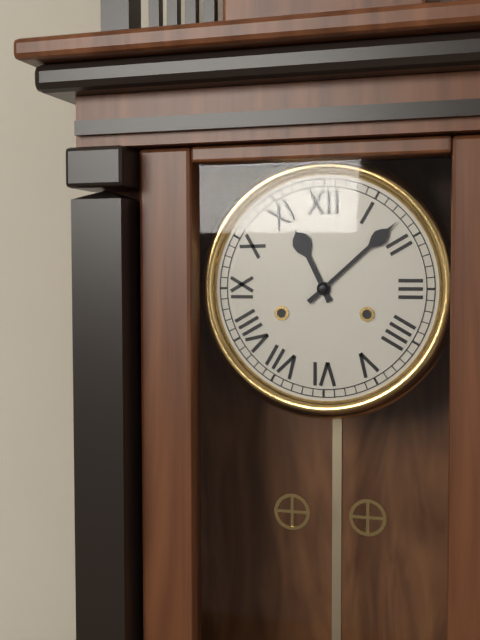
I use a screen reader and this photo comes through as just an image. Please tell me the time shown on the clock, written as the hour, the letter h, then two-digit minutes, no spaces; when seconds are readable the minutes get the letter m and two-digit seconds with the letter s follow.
11h08
